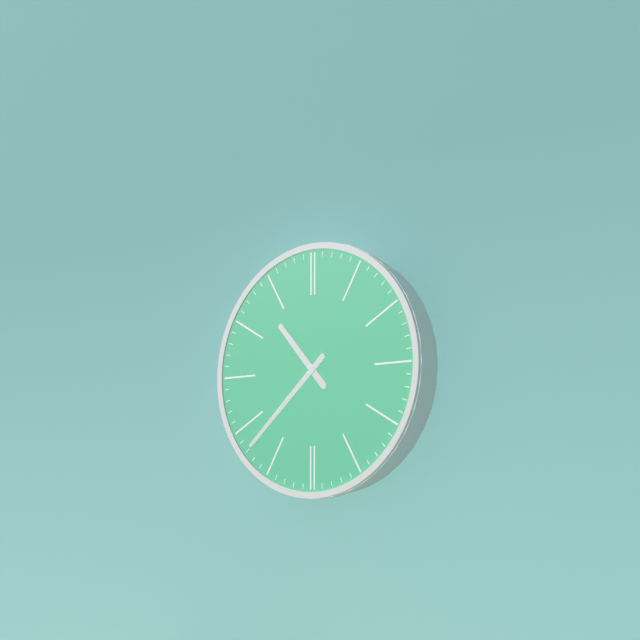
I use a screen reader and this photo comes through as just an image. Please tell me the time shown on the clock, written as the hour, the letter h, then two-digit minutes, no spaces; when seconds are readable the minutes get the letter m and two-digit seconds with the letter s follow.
10h38
